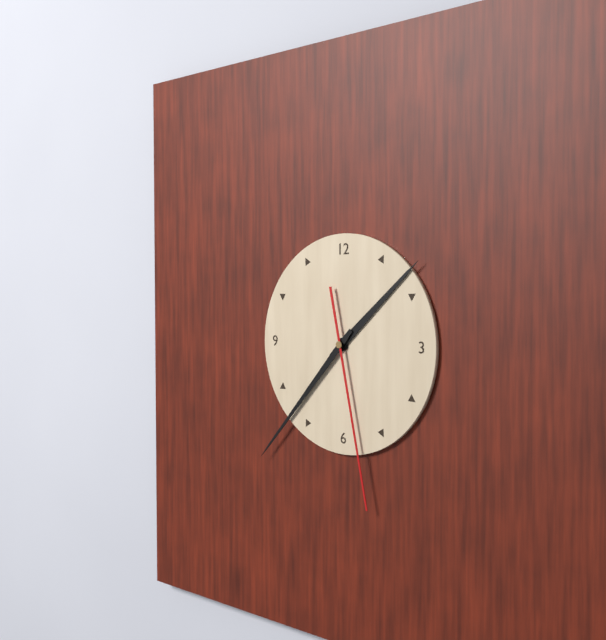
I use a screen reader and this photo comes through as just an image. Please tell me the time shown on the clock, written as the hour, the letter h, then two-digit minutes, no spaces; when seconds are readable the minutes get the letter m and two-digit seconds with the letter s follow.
1h37m28s
